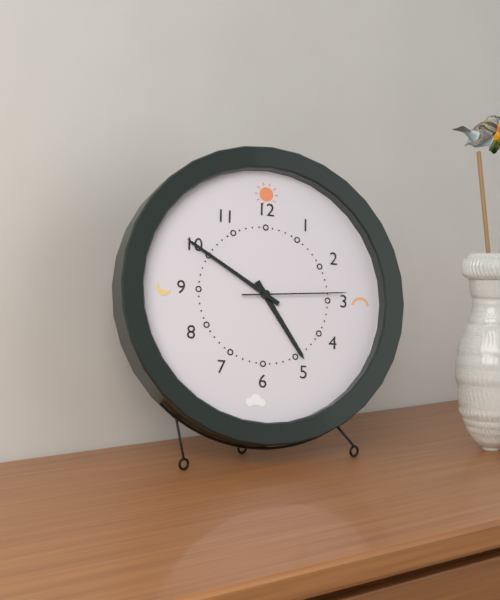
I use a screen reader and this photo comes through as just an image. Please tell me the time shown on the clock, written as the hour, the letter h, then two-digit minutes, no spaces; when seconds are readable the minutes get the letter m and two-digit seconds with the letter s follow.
4h50m14s
